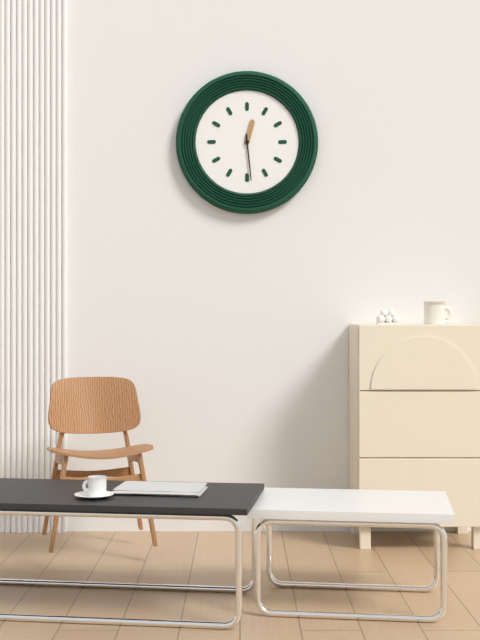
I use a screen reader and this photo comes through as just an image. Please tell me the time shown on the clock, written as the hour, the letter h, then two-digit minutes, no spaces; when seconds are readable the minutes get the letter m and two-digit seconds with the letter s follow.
12h29
